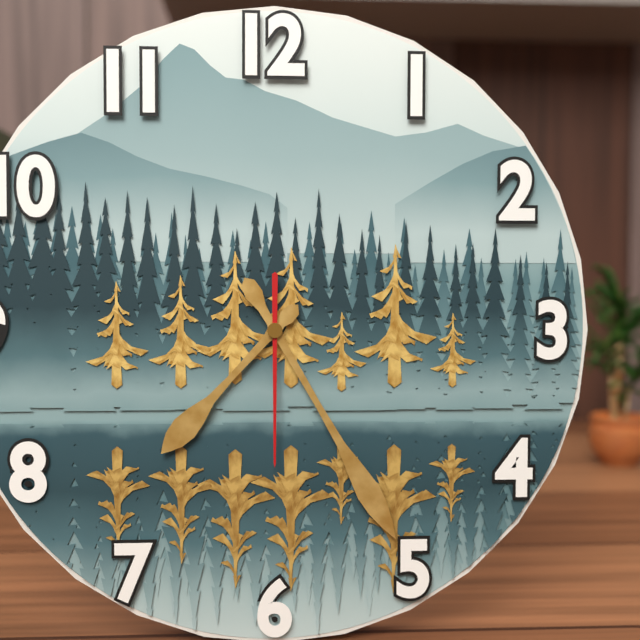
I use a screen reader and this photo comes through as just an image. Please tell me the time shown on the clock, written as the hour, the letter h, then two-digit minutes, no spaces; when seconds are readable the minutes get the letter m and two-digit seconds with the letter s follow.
7h25m30s
